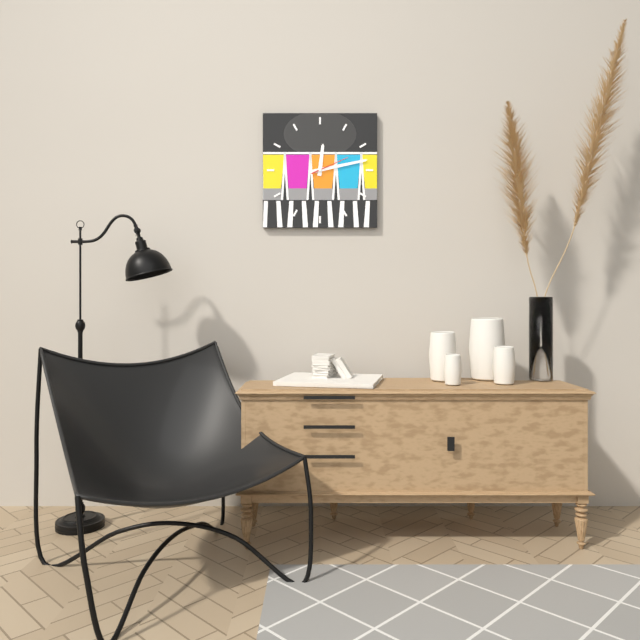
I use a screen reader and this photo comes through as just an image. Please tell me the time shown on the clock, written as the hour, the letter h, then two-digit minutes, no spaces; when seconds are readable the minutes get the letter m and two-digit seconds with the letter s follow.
12h13
